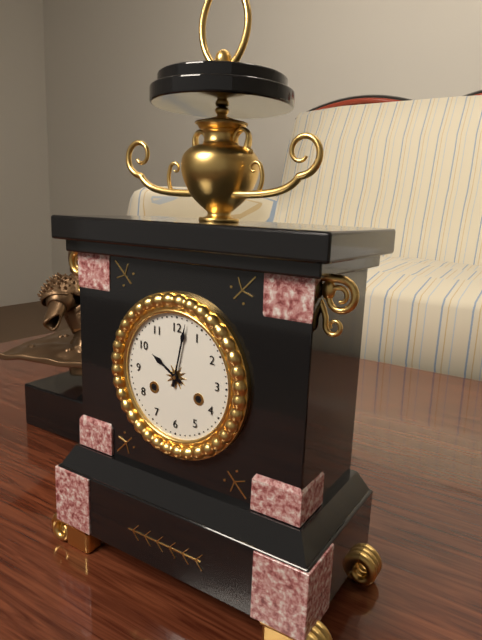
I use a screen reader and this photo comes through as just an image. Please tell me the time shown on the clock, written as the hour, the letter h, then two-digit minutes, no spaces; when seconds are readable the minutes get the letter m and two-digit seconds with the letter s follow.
10h02
